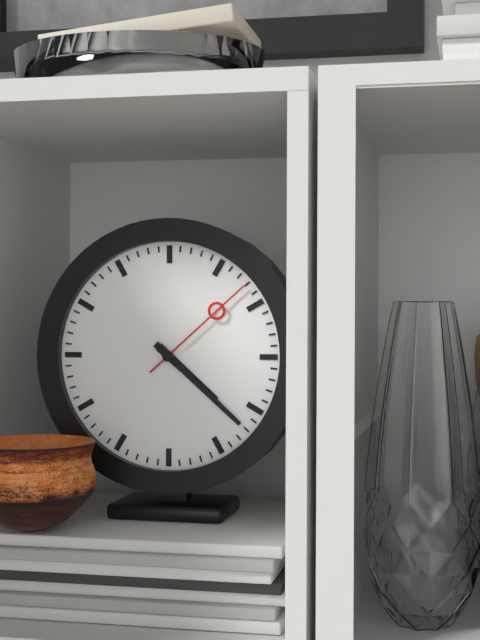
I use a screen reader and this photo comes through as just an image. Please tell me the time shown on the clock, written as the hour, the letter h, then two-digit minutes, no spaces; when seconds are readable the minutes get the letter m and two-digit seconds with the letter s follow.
4h22m08s
